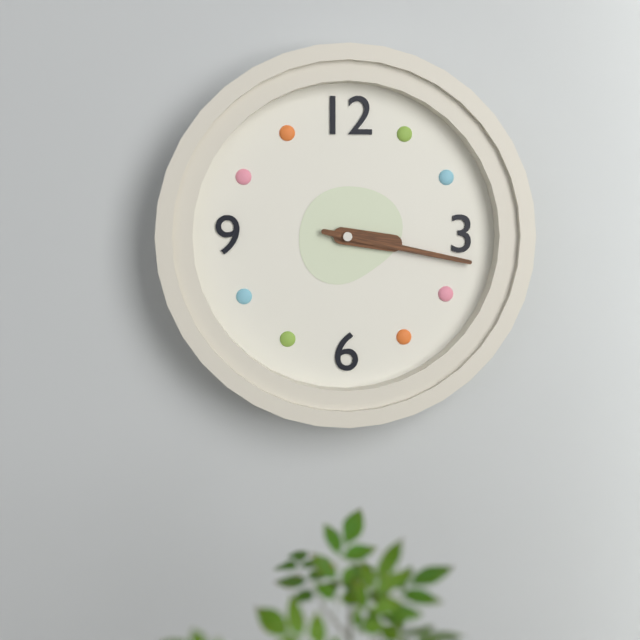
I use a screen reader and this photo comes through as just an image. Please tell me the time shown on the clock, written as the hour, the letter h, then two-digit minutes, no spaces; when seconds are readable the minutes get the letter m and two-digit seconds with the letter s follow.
3h17
